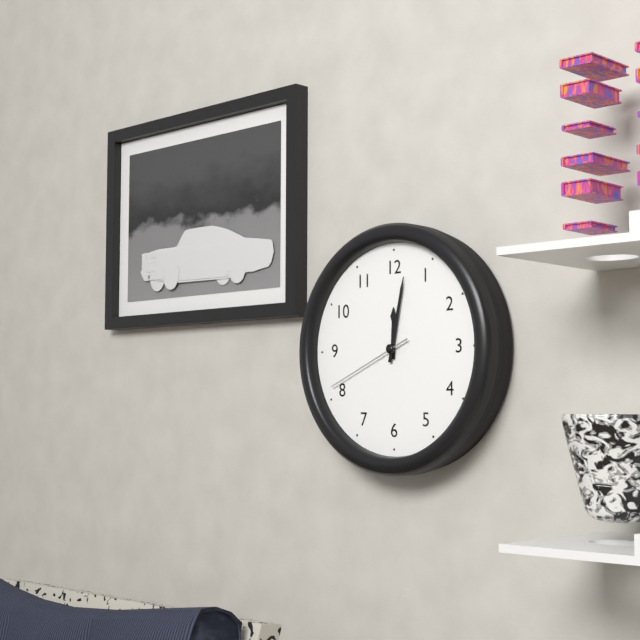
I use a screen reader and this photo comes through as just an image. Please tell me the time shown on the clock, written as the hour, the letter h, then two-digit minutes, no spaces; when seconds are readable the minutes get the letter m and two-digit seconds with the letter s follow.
12h02m41s
